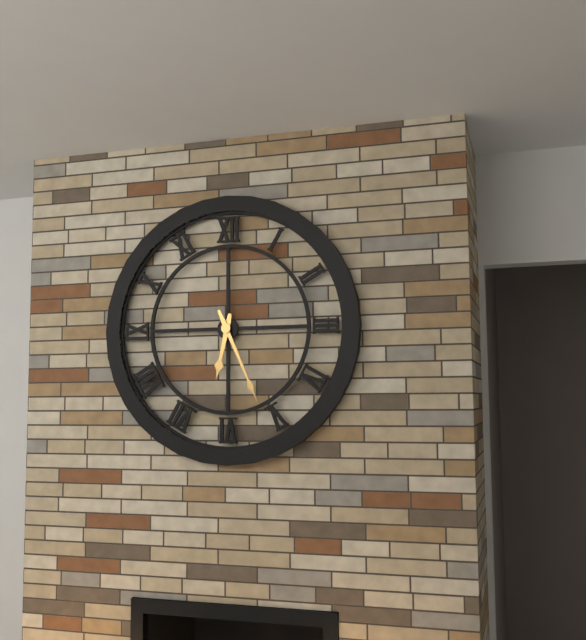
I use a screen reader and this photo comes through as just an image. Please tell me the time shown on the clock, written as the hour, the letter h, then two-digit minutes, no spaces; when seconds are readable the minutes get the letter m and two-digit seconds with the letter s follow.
6h26
